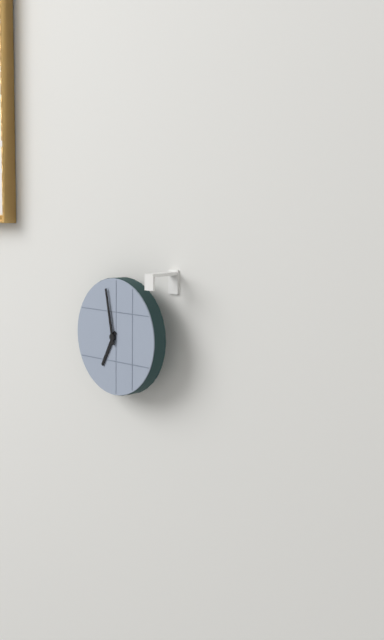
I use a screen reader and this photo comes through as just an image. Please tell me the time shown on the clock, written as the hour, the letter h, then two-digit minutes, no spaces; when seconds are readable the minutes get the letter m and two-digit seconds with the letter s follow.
6h58
